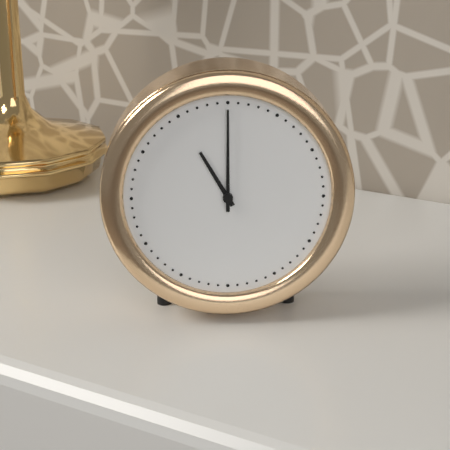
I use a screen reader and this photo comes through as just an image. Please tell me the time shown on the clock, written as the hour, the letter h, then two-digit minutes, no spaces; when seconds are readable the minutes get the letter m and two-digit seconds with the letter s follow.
11h00
